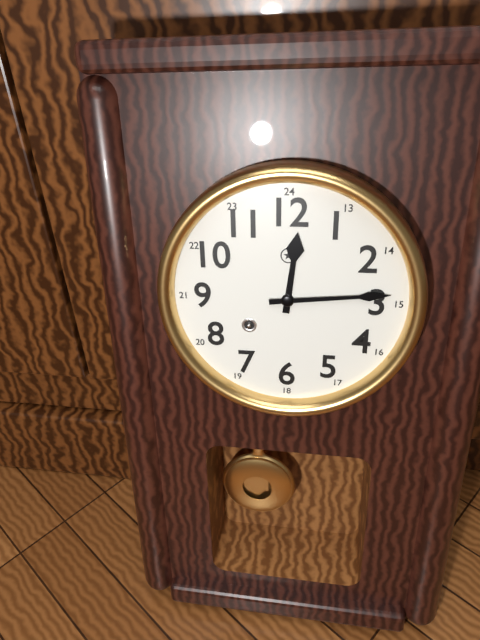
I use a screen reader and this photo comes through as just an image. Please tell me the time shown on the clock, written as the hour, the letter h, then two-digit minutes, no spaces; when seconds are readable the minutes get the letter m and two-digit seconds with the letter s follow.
12h14
